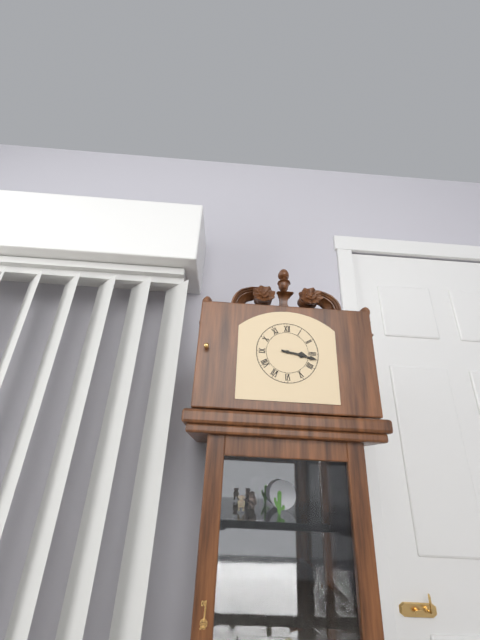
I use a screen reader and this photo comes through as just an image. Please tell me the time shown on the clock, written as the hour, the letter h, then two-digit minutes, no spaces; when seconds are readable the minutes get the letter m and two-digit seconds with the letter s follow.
3h17
